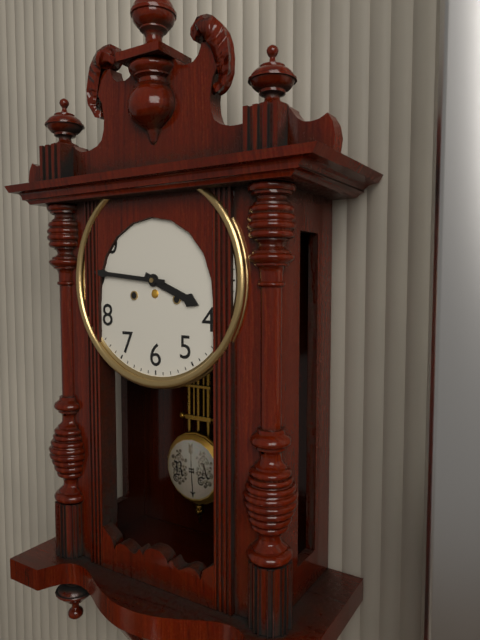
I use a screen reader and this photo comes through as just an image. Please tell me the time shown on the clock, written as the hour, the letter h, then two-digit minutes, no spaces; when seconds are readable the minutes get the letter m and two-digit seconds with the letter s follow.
3h46
